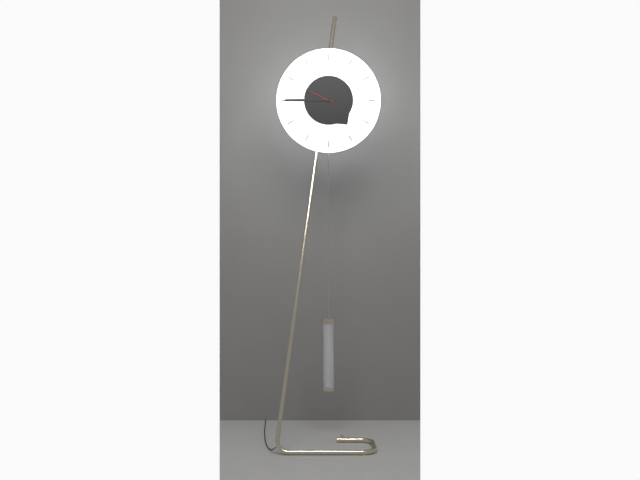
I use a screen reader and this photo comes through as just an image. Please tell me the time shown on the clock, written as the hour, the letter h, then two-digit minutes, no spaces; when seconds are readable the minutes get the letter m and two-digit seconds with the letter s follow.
4h45
